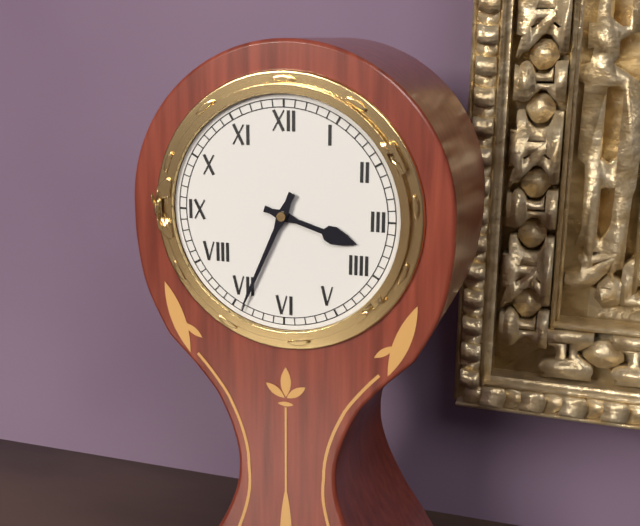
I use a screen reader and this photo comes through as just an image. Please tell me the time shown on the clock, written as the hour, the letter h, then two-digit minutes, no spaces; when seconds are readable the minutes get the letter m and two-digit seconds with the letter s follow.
3h34
